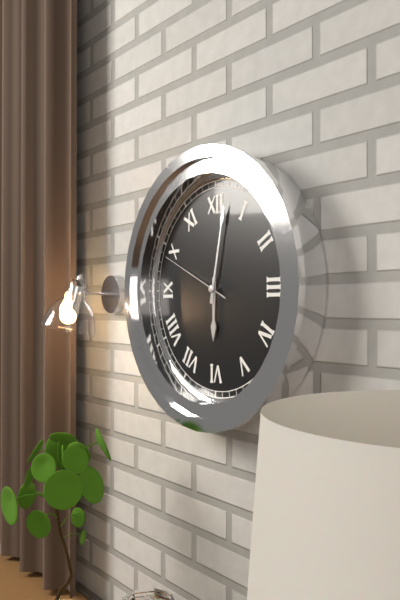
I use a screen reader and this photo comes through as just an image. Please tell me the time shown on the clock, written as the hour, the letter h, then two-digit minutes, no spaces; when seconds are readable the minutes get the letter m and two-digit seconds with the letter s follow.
6h02m49s
